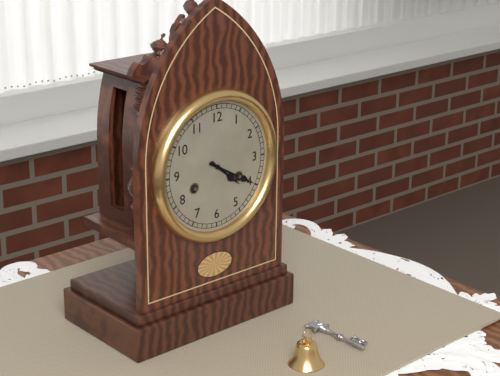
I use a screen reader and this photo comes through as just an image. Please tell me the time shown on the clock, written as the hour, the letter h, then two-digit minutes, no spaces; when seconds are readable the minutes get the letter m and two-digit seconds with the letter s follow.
4h20
